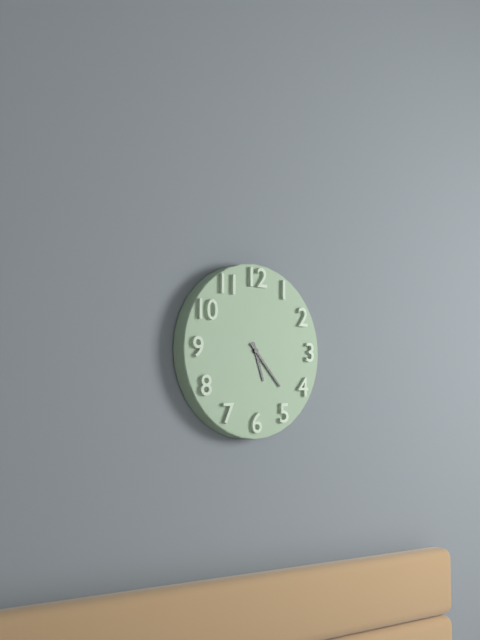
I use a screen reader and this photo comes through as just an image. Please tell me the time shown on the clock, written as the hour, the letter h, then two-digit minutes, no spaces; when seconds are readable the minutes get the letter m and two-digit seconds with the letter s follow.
5h23
